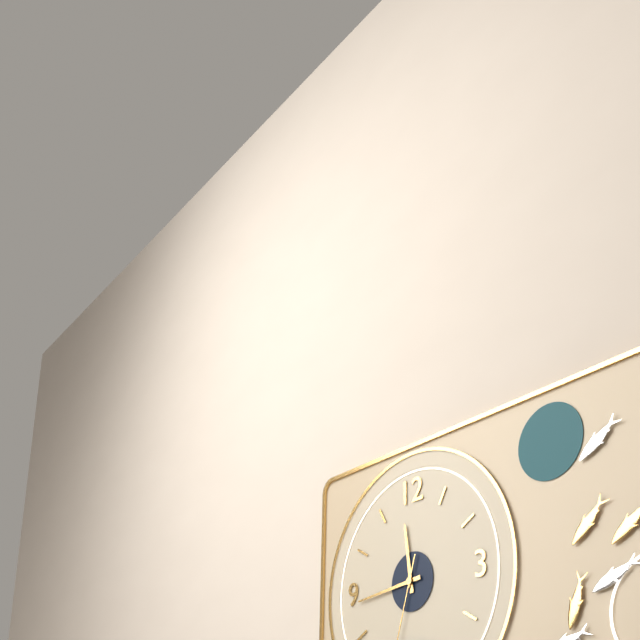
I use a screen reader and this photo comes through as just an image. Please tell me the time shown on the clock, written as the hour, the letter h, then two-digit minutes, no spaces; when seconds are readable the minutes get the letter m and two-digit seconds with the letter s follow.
11h44
